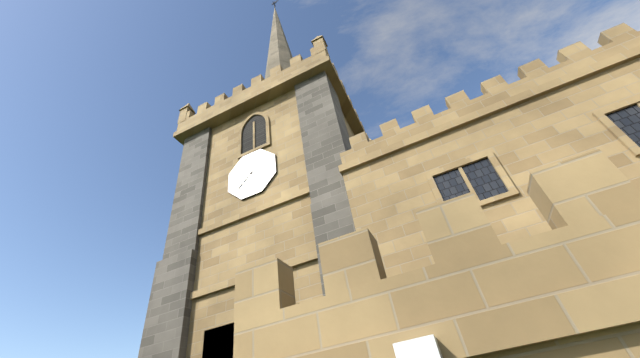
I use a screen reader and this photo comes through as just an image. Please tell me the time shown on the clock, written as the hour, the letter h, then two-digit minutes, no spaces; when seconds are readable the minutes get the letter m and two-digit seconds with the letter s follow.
5h38
